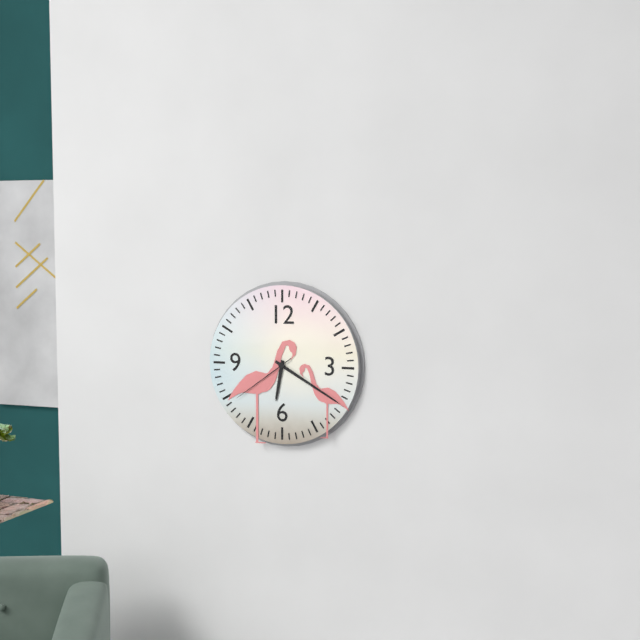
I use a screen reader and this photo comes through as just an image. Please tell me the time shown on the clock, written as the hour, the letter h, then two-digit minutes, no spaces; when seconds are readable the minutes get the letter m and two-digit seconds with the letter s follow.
6h20m39s
